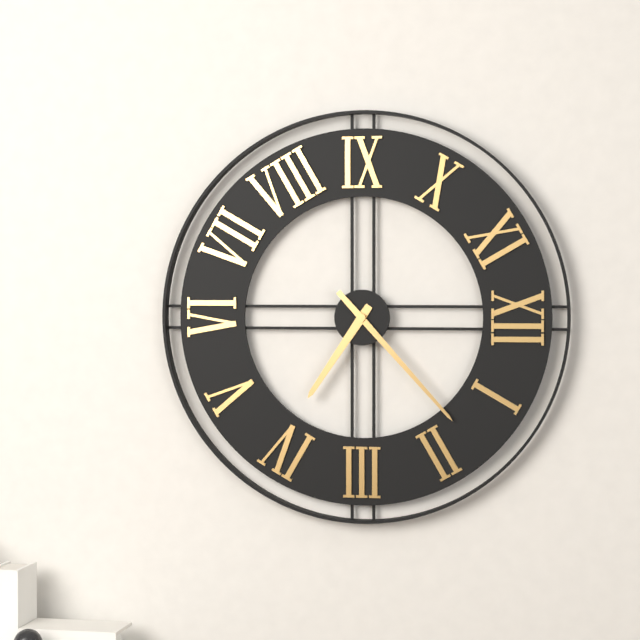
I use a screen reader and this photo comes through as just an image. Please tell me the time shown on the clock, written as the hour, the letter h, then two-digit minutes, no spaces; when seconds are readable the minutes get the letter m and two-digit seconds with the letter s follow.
4h08
